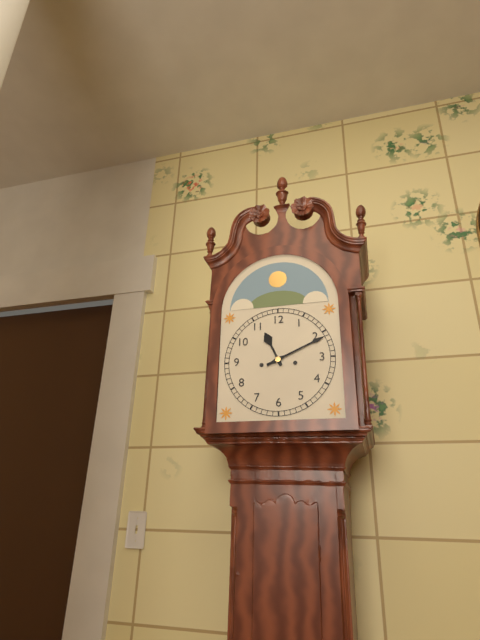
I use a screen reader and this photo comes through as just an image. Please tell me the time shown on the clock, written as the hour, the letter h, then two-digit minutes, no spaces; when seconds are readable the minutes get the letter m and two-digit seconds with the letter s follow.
11h11
